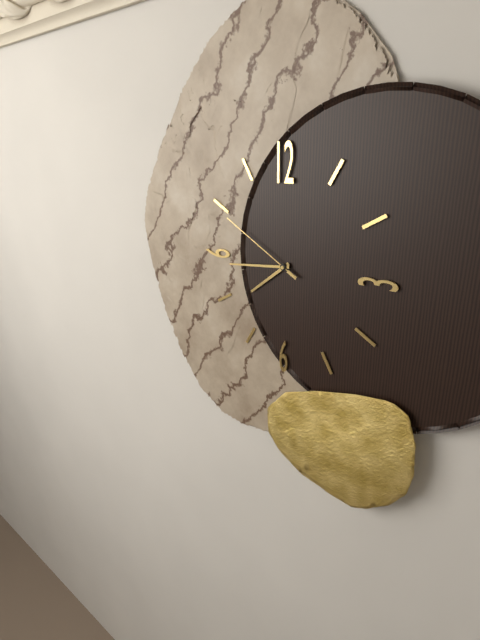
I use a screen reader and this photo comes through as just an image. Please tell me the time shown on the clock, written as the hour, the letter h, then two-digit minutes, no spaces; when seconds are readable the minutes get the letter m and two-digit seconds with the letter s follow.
7h44m50s
